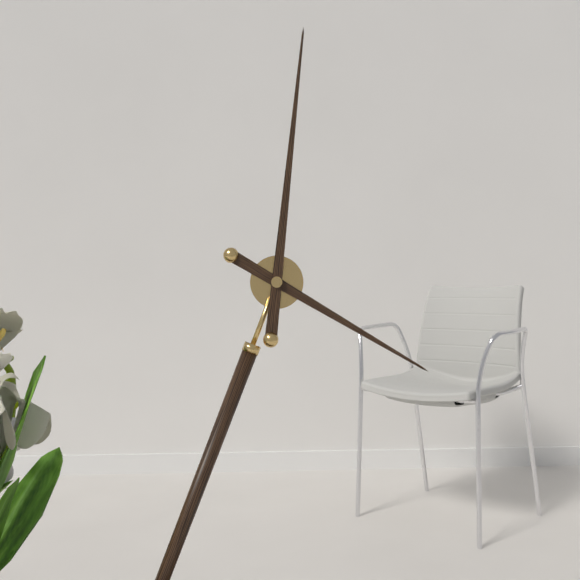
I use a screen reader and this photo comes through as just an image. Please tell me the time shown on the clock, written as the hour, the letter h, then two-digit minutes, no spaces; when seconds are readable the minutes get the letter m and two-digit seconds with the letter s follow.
4h01
